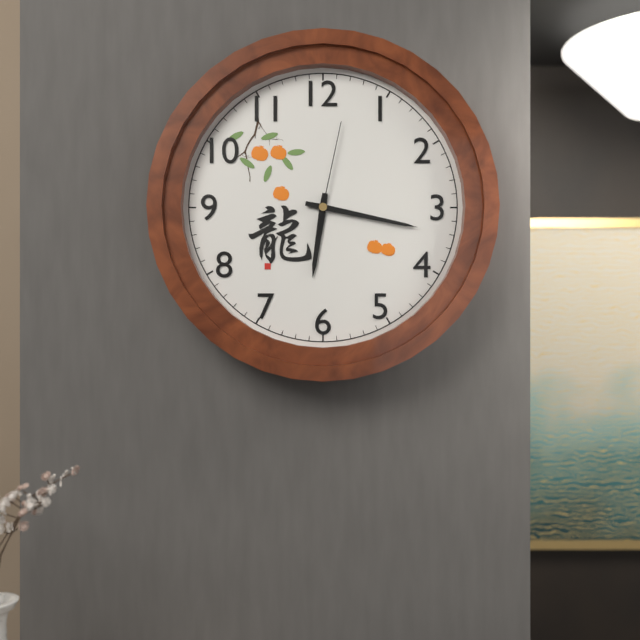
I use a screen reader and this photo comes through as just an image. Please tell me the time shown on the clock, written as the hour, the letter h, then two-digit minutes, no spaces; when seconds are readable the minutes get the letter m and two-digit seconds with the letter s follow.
6h17m02s
